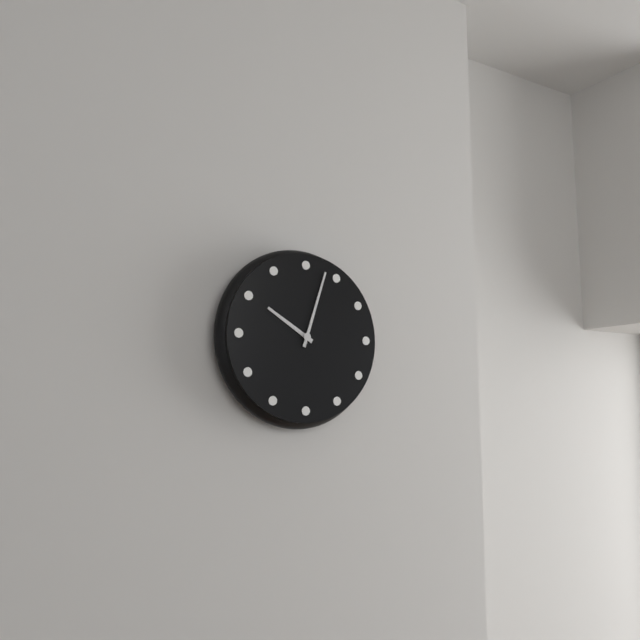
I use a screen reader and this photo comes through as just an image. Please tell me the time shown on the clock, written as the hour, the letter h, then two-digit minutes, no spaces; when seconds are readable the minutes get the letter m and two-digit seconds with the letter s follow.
10h03
